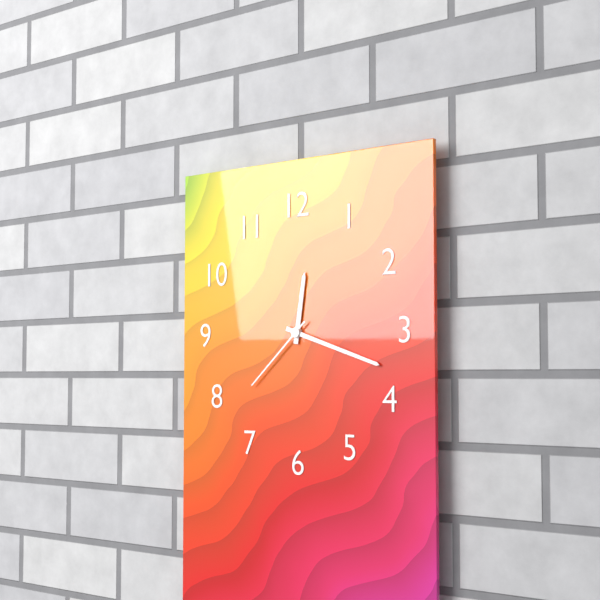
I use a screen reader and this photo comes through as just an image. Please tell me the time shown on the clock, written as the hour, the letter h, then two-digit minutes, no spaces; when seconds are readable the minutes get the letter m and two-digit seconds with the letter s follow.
12h18m38s
